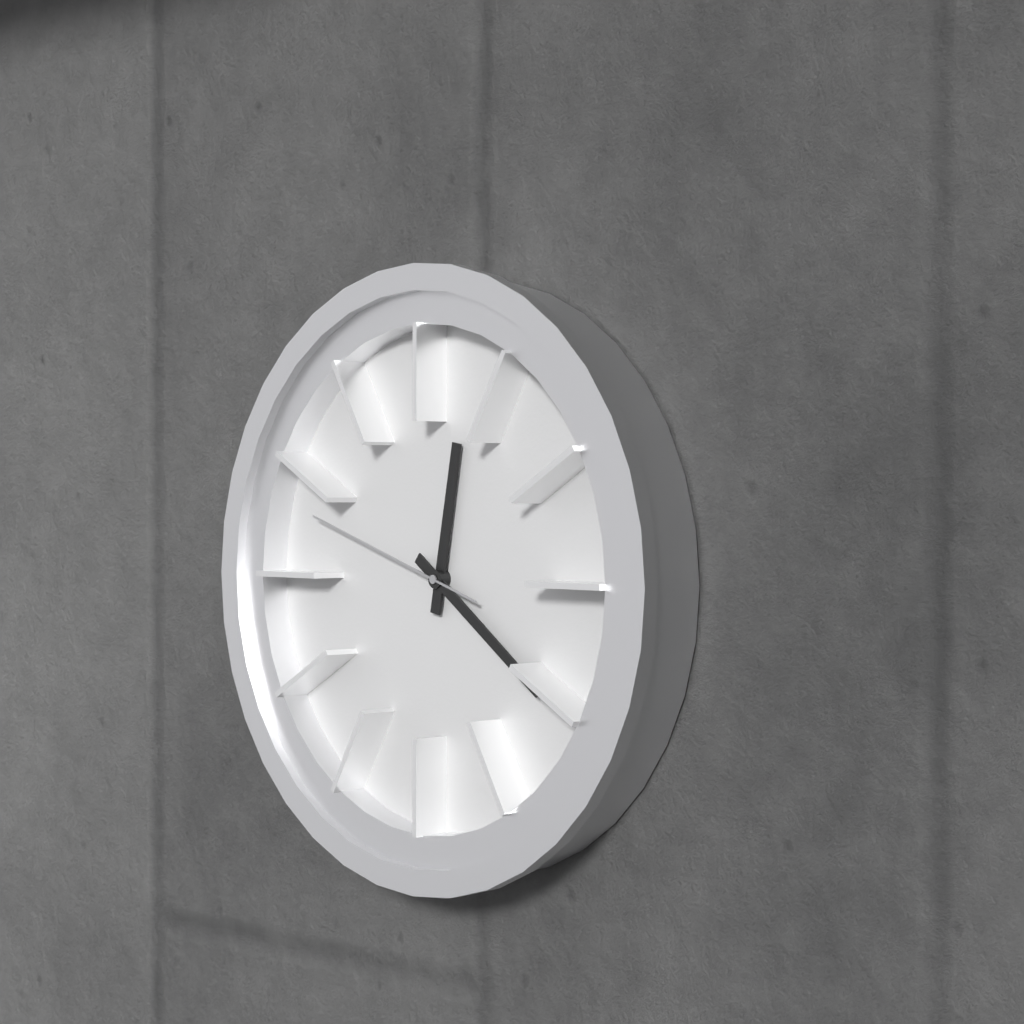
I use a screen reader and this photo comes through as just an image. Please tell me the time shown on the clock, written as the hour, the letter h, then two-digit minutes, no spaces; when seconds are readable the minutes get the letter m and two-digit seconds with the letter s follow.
12h21m48s
